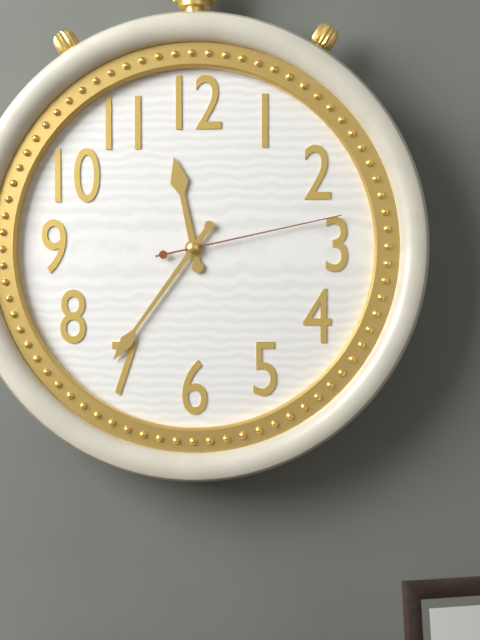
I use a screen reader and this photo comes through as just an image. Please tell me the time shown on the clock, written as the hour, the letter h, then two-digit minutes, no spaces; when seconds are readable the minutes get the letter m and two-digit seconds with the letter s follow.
11h36m13s
